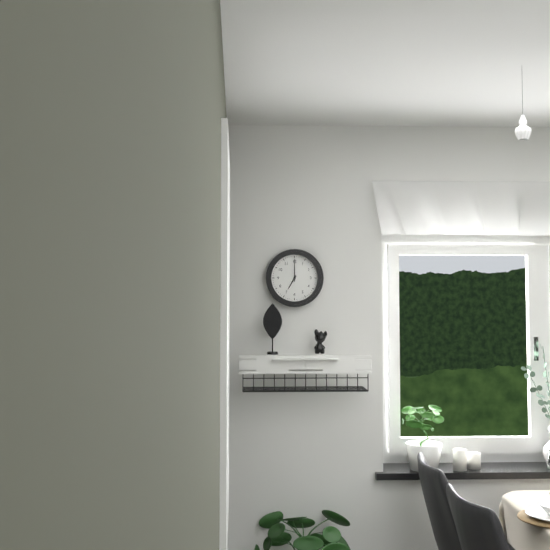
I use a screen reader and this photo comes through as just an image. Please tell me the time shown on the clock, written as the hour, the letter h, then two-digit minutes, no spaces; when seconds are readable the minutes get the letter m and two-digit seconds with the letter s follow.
7h00
